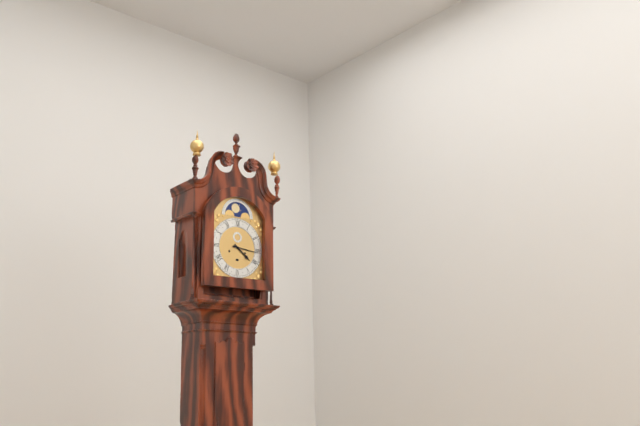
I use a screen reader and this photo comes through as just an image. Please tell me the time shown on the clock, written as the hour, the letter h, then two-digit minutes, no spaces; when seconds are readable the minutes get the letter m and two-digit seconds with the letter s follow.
4h16
